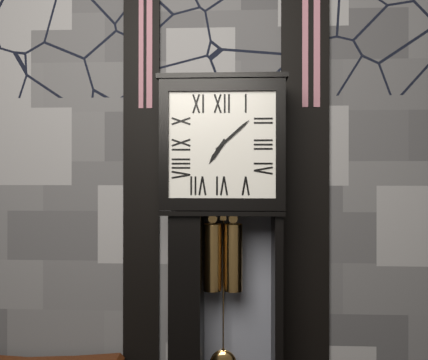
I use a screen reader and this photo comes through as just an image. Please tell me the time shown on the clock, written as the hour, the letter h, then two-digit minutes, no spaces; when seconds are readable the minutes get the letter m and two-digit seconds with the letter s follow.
7h08
